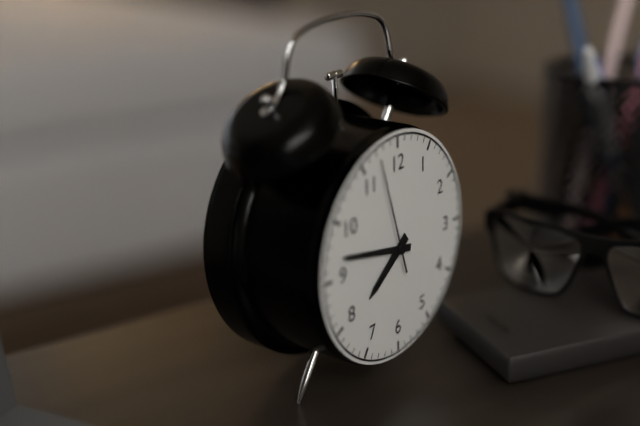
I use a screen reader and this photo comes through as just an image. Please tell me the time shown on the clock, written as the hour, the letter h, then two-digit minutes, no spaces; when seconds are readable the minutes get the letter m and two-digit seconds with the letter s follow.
7h47m57s
